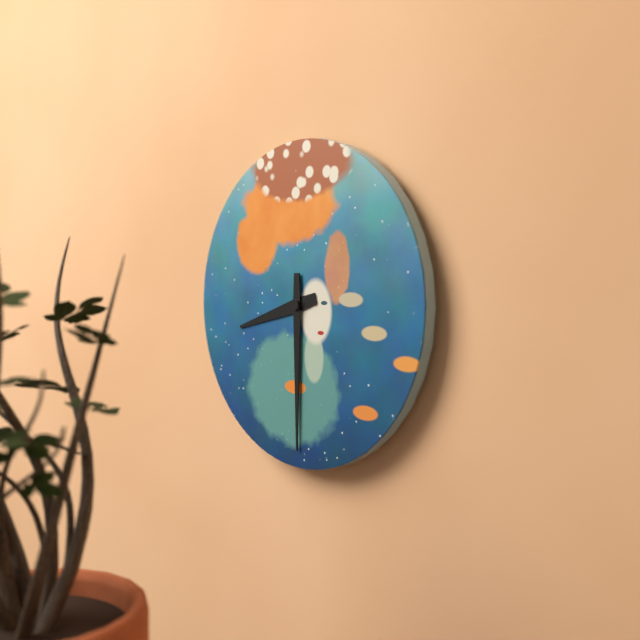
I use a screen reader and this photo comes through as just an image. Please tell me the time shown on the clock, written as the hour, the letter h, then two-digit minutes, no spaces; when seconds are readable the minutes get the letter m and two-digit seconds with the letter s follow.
8h30
